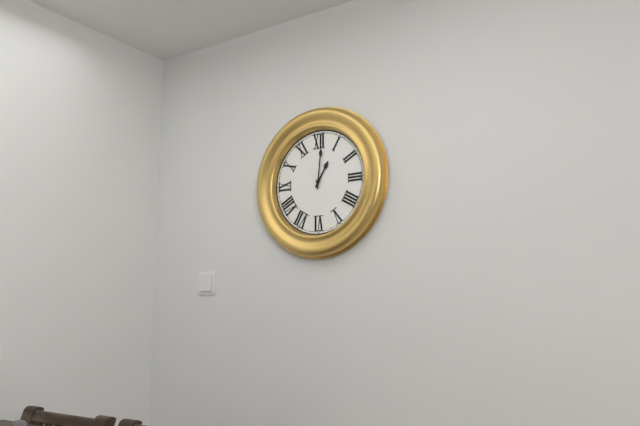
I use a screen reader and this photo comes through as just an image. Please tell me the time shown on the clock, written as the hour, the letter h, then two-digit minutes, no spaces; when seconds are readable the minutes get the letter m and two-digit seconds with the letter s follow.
1h01
